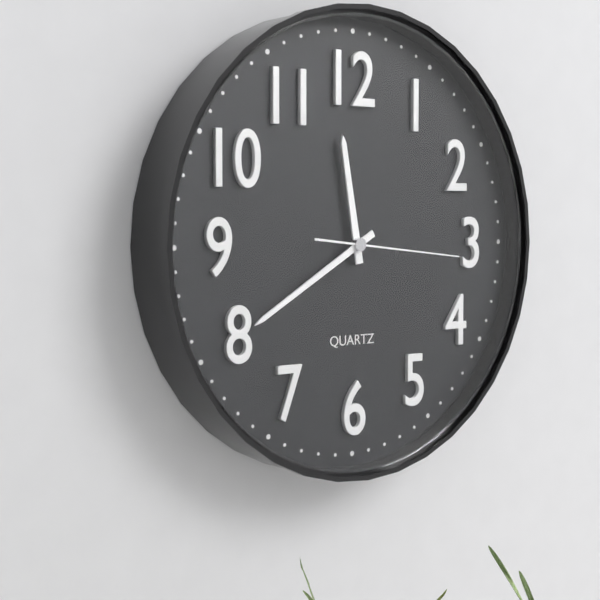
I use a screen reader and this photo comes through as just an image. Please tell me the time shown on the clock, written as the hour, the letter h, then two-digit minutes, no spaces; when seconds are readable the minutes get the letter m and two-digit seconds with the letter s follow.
11h40m16s
